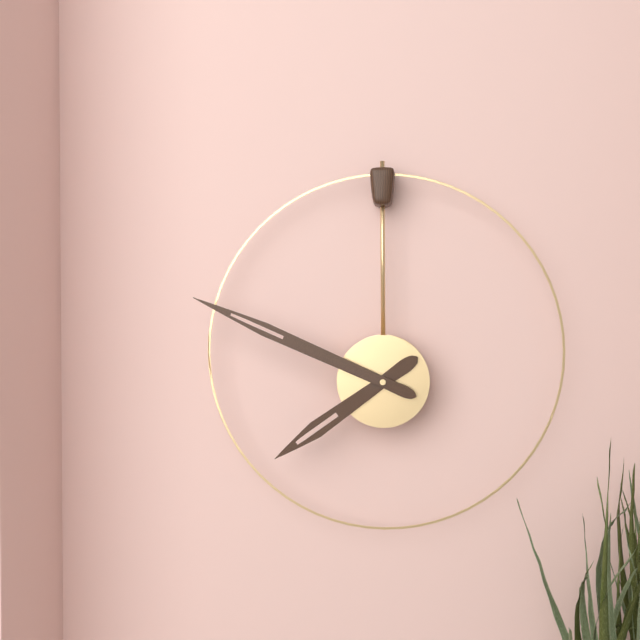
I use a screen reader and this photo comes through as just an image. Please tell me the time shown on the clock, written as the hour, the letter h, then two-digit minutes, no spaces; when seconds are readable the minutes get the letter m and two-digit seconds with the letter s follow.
7h49
